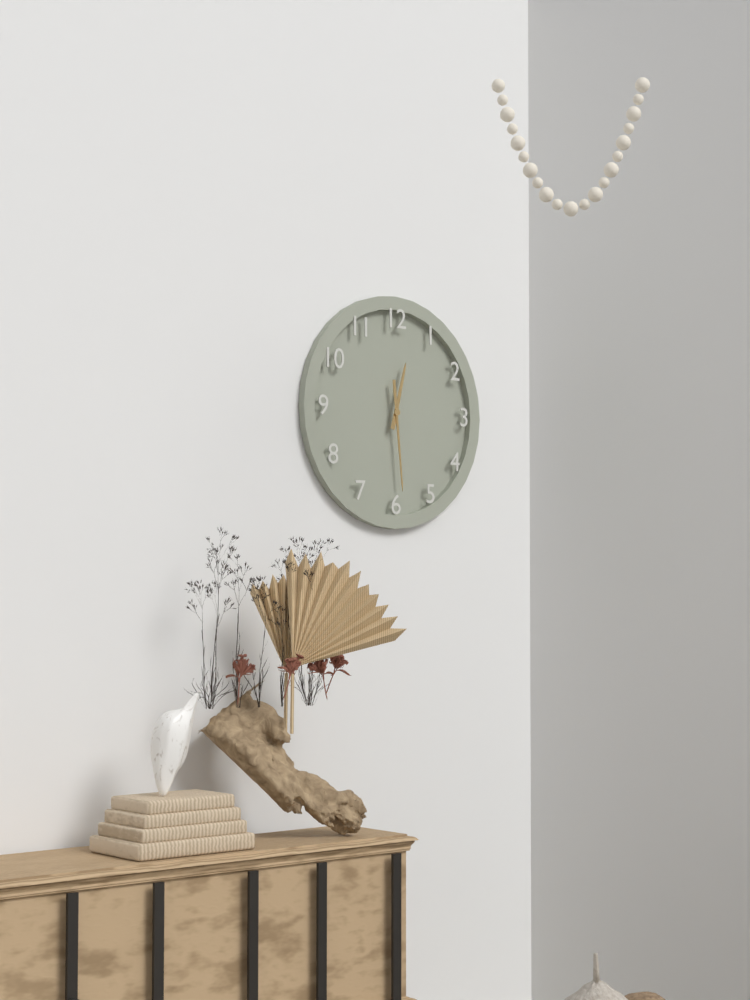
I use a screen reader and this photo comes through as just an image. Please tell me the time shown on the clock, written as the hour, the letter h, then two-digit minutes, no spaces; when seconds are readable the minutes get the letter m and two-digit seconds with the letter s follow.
12h29
